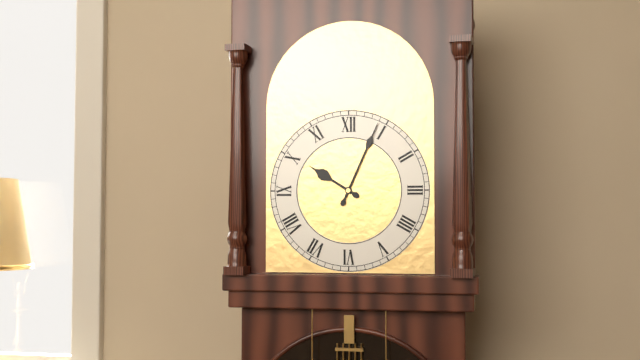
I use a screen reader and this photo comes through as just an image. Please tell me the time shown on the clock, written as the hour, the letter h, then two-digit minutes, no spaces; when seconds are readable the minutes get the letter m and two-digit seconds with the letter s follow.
10h04
